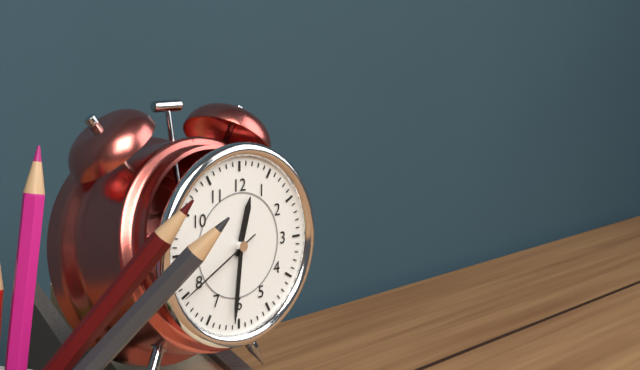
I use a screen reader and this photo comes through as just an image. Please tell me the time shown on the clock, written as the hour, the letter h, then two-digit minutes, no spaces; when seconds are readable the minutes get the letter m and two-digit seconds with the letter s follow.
12h31m40s
